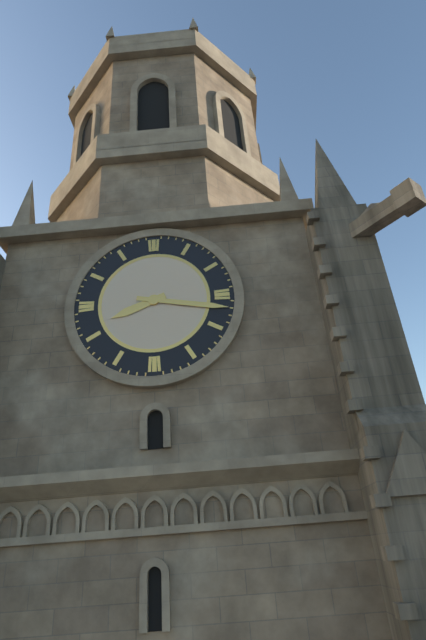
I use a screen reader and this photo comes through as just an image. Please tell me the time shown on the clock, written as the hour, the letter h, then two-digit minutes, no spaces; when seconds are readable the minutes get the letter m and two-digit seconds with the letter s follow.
8h17
